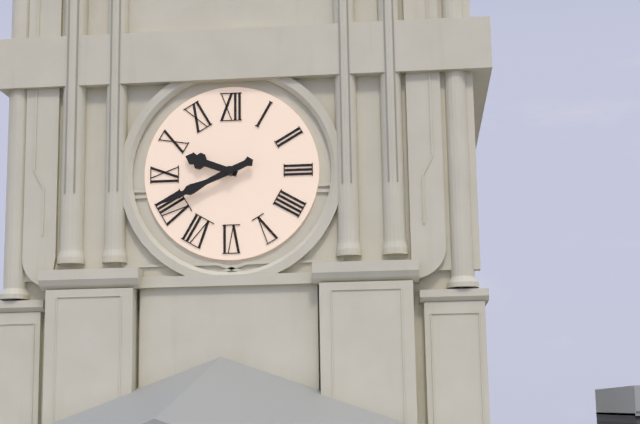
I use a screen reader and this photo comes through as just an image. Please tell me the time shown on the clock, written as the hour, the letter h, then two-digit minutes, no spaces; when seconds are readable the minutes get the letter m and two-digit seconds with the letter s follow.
9h41
